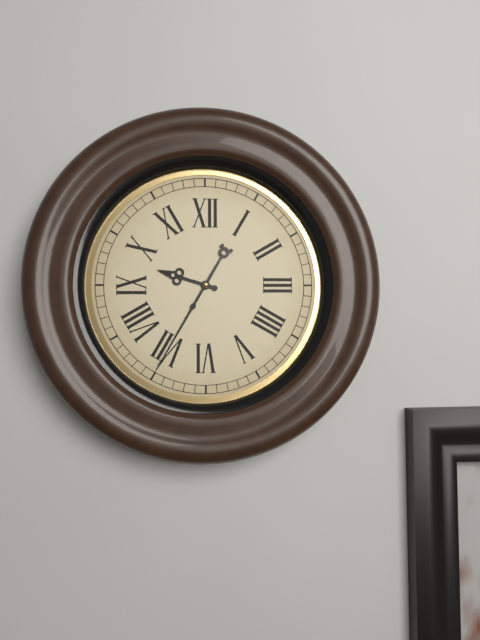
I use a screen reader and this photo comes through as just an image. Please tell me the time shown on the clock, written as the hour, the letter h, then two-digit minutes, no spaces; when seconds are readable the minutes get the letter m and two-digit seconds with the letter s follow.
9h35
